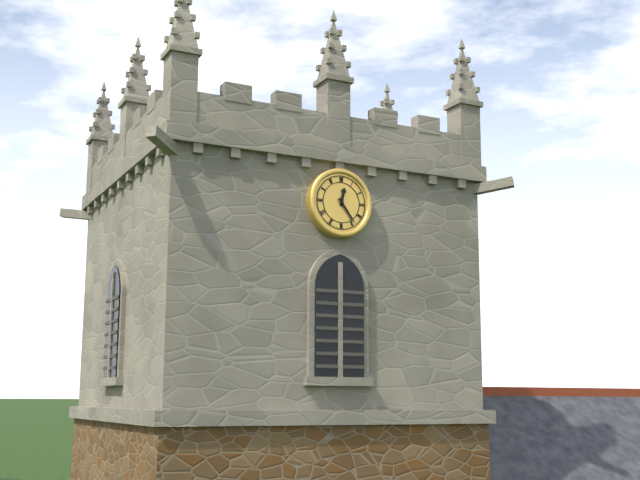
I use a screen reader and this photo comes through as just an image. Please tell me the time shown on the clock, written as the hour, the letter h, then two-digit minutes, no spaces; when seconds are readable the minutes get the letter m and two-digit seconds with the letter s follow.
12h24
